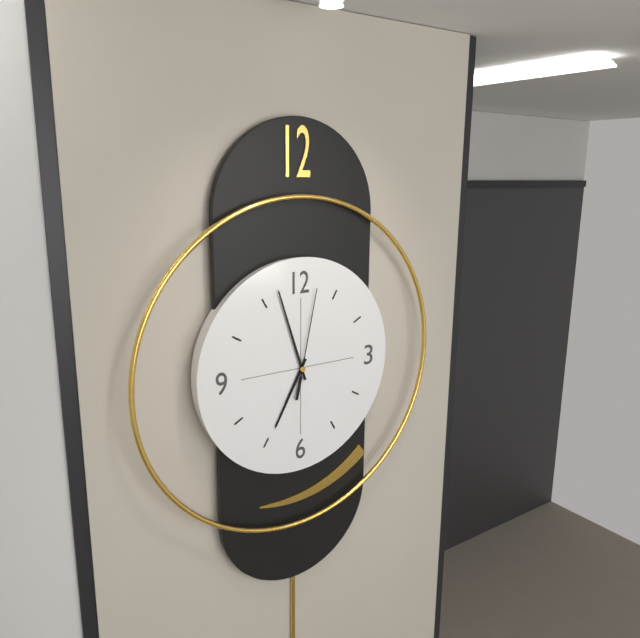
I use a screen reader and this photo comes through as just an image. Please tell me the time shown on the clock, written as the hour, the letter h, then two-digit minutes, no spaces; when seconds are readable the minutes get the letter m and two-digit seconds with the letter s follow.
6h57m02s
